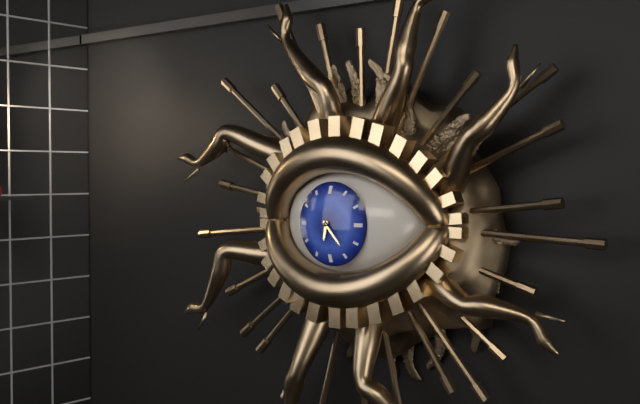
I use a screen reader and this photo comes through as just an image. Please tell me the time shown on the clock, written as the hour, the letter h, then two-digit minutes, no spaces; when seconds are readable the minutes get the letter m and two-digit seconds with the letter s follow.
6h23
